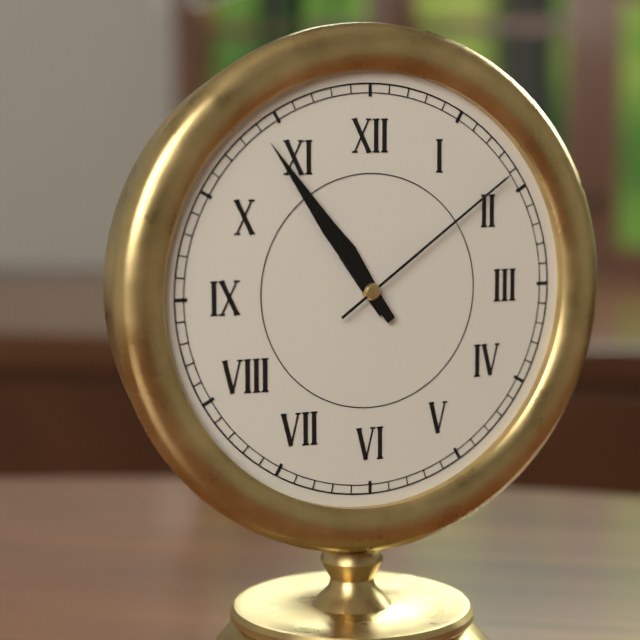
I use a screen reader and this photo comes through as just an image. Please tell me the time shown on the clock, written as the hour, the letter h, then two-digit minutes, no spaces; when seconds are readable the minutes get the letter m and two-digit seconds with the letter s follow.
10h54m09s
